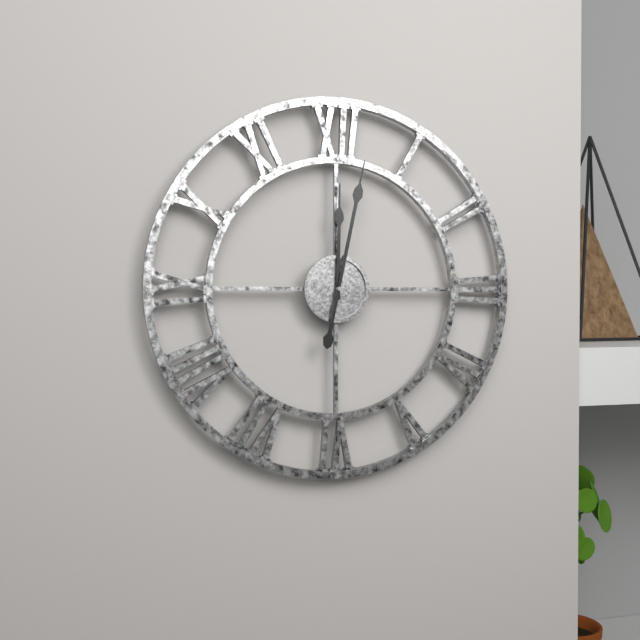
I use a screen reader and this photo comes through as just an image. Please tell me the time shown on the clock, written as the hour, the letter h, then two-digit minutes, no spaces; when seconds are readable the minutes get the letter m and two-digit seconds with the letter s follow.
12h02
